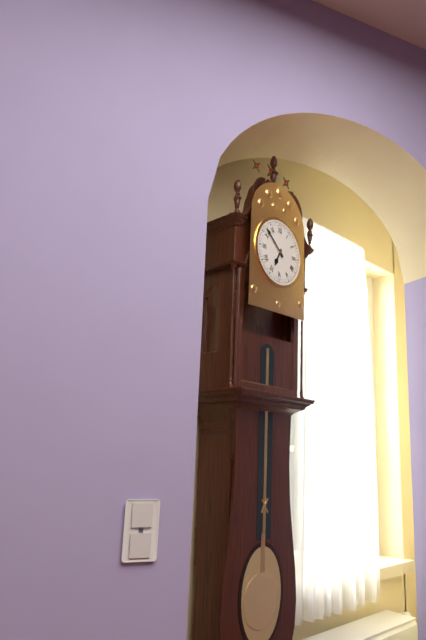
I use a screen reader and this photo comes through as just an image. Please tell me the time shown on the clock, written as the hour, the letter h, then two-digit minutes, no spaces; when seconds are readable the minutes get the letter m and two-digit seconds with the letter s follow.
6h52
